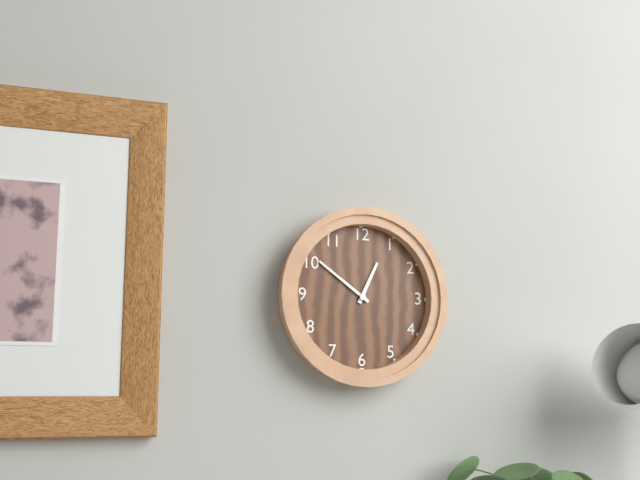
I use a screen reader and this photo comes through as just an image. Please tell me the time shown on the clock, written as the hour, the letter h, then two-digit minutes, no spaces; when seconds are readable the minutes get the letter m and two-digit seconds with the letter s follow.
12h51
